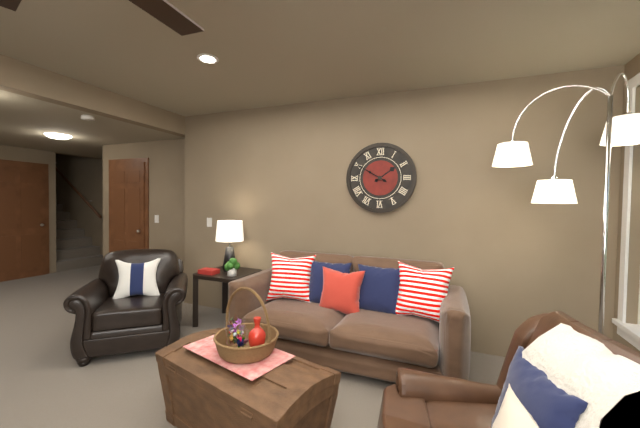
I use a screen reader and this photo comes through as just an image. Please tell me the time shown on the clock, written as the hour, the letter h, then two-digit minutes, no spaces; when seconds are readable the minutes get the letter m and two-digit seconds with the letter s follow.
1h50
